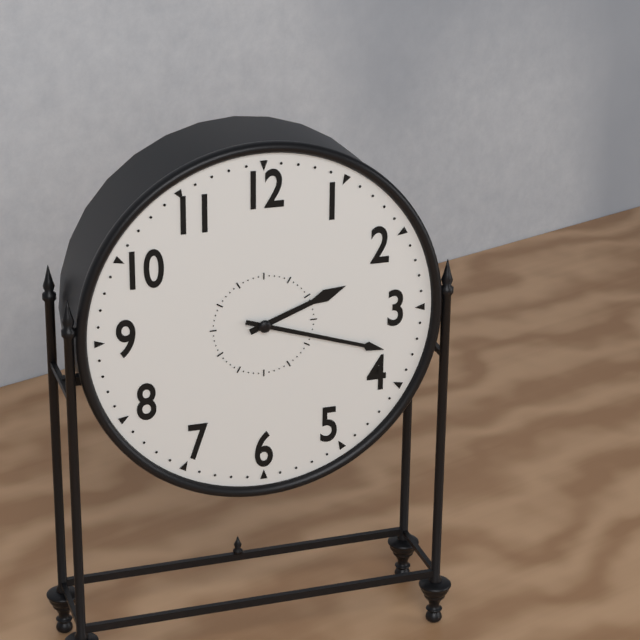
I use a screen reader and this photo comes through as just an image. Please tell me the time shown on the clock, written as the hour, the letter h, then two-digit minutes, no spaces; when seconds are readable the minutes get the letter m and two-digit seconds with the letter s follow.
2h18
